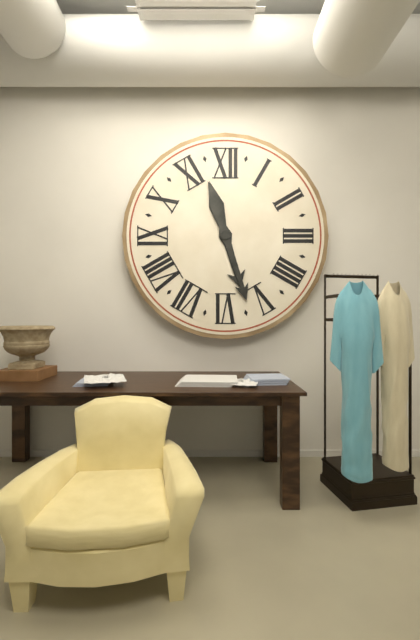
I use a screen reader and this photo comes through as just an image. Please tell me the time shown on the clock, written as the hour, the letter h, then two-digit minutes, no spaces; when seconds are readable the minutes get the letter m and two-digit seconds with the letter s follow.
5h27
